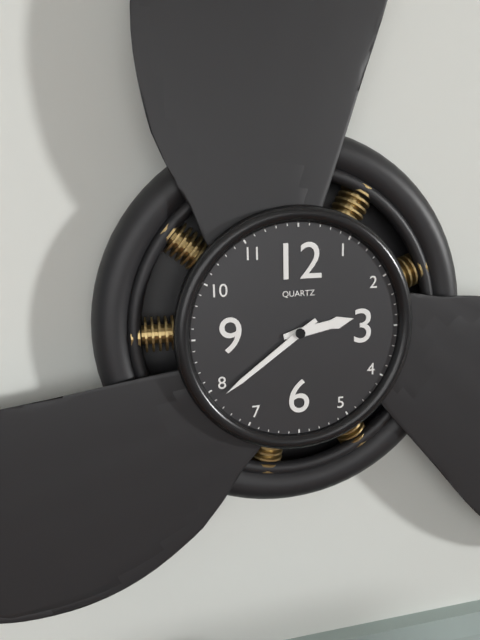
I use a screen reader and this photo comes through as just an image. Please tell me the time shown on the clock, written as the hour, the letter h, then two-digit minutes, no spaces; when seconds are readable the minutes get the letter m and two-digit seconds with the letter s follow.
2h39
